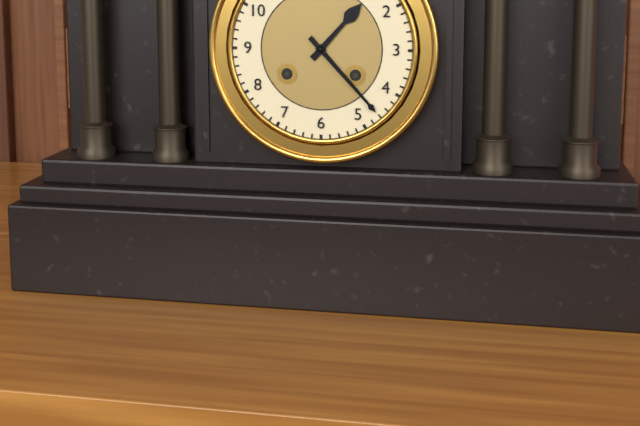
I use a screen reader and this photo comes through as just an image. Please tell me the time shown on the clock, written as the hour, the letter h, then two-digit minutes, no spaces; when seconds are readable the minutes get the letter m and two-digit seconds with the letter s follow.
1h23
